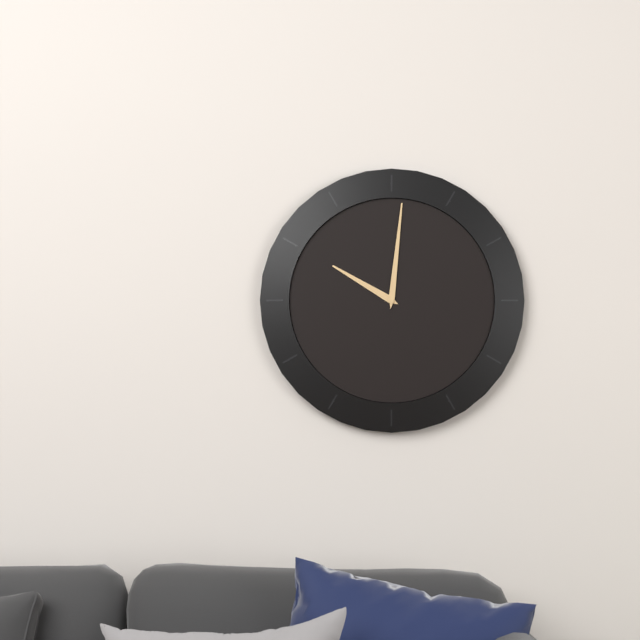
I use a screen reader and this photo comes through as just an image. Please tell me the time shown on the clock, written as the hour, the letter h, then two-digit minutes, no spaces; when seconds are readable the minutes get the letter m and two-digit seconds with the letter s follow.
10h01
